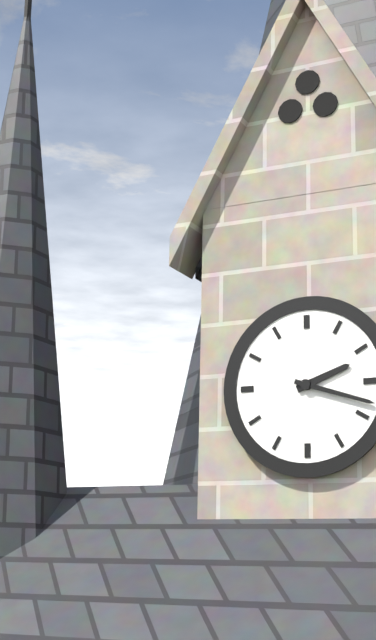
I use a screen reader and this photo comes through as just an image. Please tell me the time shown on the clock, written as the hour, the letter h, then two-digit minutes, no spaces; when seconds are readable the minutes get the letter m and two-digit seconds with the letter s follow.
2h18
